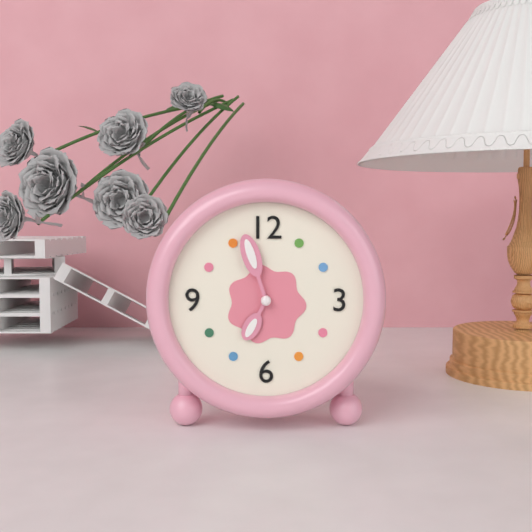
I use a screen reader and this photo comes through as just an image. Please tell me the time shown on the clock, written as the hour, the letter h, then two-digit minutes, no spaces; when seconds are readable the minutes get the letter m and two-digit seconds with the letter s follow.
6h57
